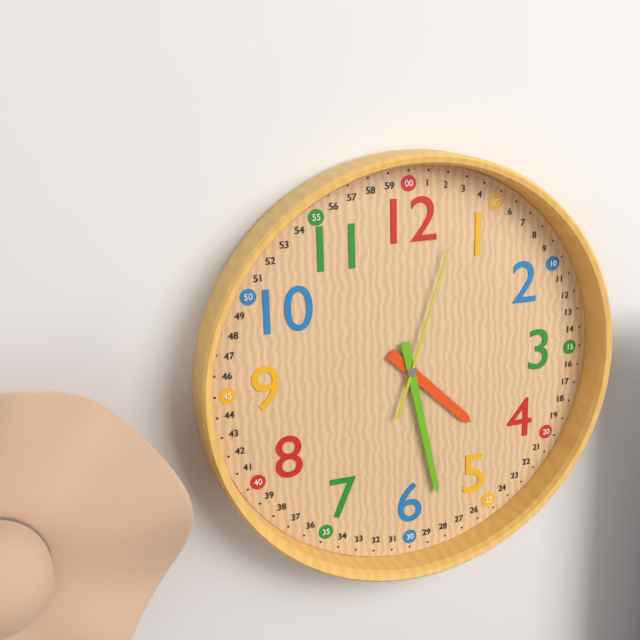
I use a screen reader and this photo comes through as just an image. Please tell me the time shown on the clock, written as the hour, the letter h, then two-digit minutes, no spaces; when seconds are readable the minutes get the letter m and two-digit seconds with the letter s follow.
4h28m03s
